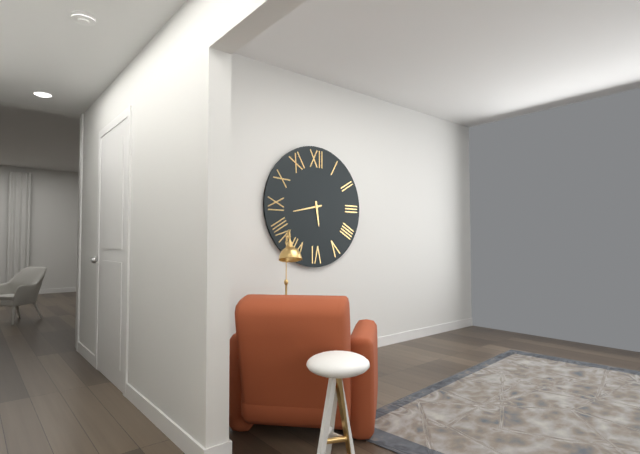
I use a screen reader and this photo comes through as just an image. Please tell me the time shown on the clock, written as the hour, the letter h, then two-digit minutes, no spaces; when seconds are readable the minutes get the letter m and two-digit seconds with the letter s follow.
5h43
